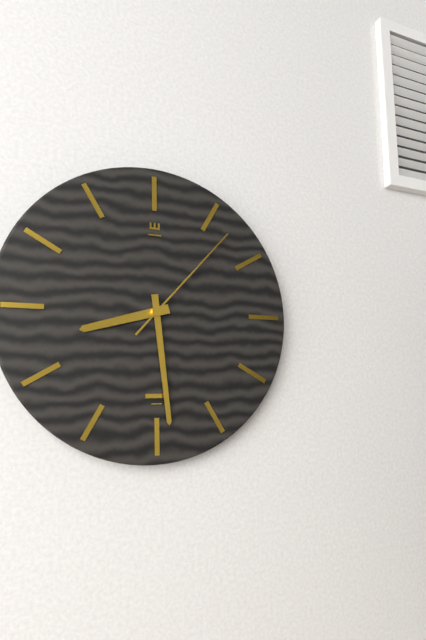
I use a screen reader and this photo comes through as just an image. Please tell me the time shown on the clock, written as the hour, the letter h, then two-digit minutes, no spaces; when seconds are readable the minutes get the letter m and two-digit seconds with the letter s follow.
8h29m07s
